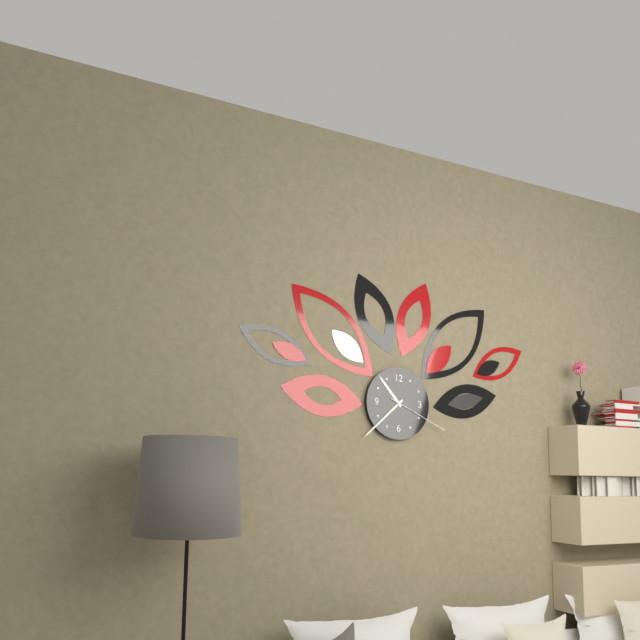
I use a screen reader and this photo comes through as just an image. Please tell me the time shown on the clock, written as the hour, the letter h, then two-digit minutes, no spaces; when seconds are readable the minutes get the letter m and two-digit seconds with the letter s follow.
10h38m19s
